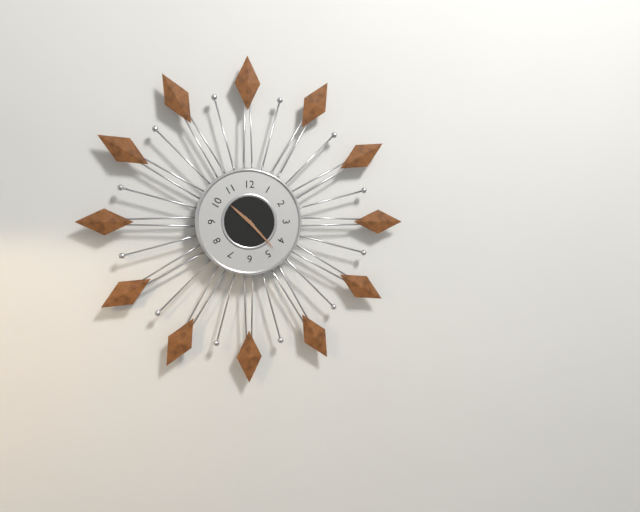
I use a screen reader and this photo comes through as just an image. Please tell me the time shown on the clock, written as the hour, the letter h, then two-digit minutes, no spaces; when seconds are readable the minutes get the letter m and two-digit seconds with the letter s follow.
10h23
